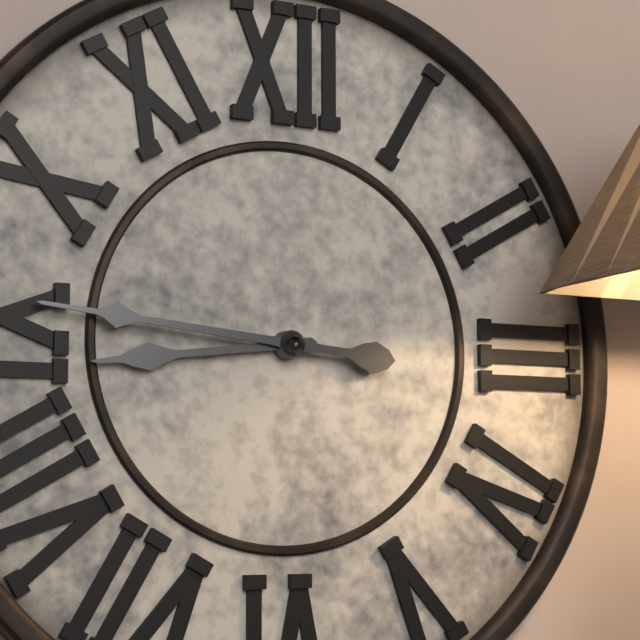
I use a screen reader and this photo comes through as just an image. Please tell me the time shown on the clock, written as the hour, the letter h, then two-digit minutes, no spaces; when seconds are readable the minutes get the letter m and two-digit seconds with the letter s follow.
8h46
